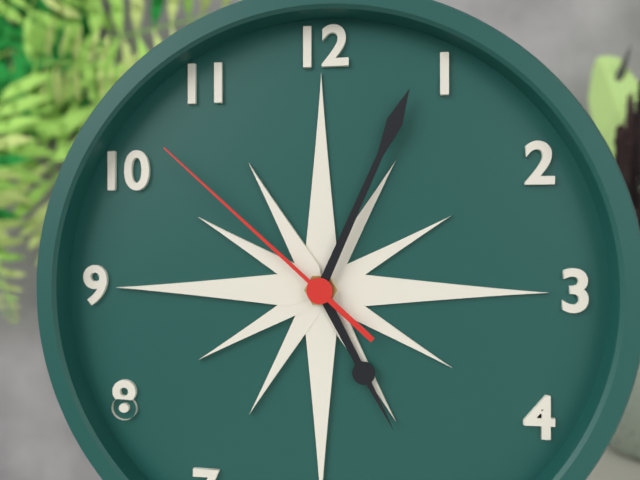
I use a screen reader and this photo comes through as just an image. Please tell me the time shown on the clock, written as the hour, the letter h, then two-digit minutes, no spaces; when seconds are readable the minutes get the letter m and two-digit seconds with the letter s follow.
5h04m52s
